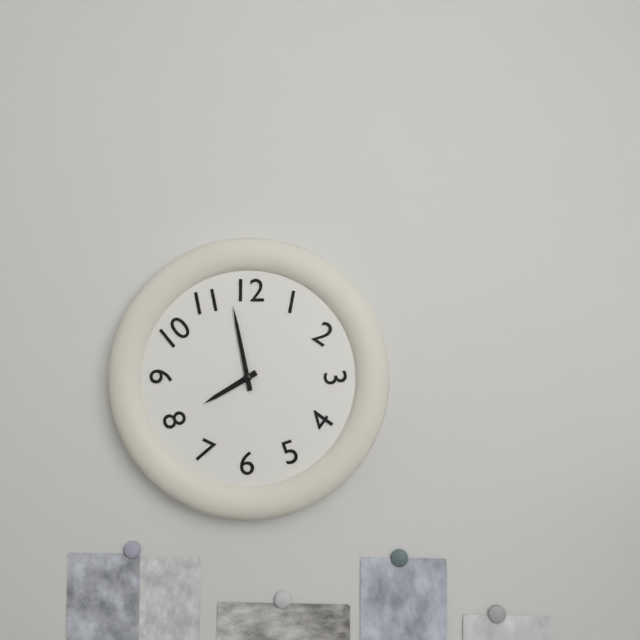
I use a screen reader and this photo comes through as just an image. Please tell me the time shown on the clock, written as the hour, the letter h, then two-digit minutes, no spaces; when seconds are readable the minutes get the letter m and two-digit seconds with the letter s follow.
7h58
